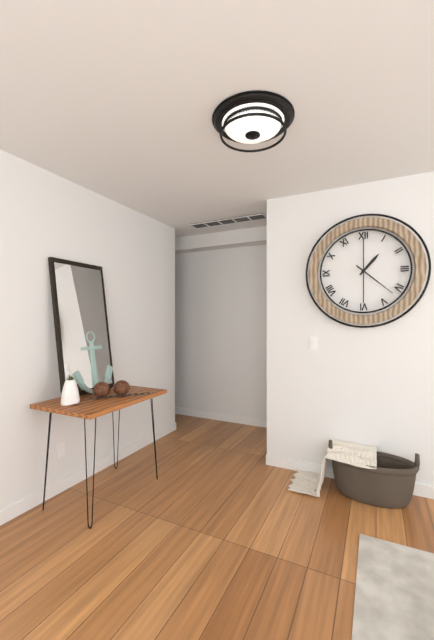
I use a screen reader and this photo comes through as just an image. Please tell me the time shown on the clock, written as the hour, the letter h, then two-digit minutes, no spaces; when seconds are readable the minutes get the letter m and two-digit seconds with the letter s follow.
1h22
